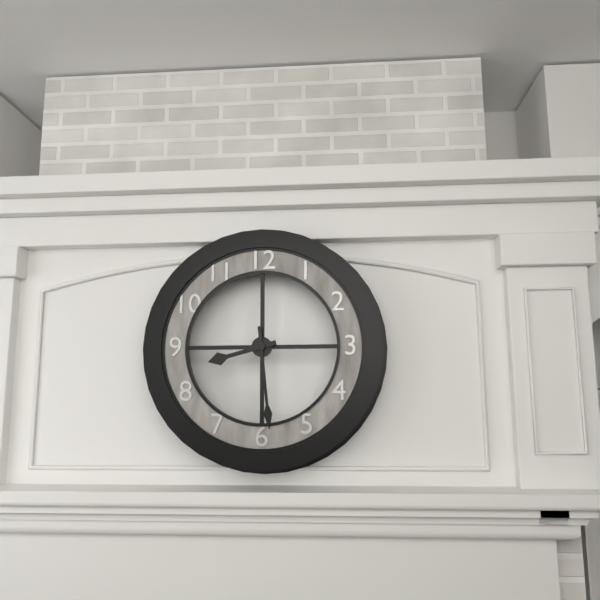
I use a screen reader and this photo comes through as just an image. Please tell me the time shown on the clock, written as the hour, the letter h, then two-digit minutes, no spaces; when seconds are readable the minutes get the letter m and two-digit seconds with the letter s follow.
8h29
